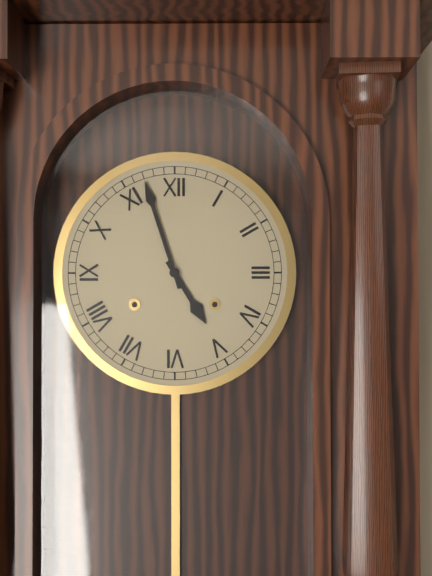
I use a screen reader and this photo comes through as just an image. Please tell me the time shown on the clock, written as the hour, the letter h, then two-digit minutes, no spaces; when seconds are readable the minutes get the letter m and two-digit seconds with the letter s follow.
4h57
